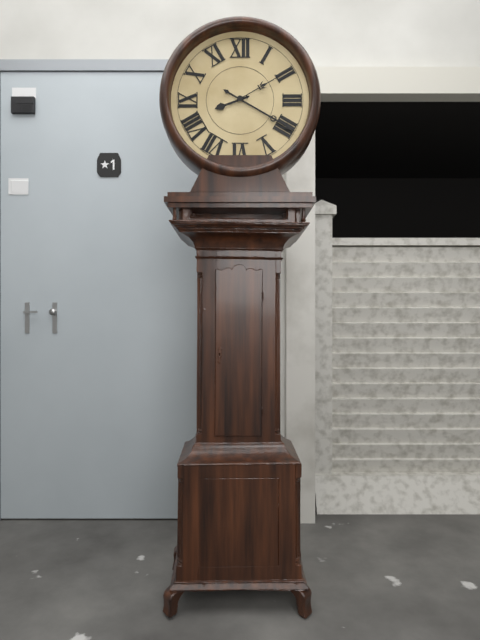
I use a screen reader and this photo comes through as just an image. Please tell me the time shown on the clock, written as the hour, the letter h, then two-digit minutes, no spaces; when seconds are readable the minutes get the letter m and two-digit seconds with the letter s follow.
8h20m10s
